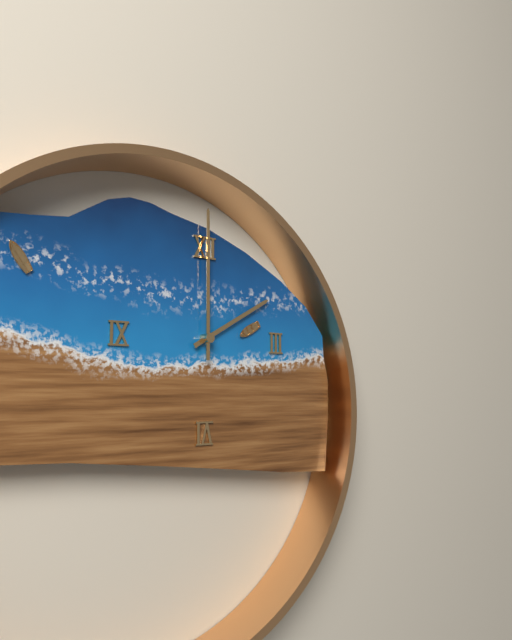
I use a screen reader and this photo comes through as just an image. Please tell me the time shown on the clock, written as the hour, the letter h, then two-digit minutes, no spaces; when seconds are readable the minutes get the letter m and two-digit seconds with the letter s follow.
2h00
